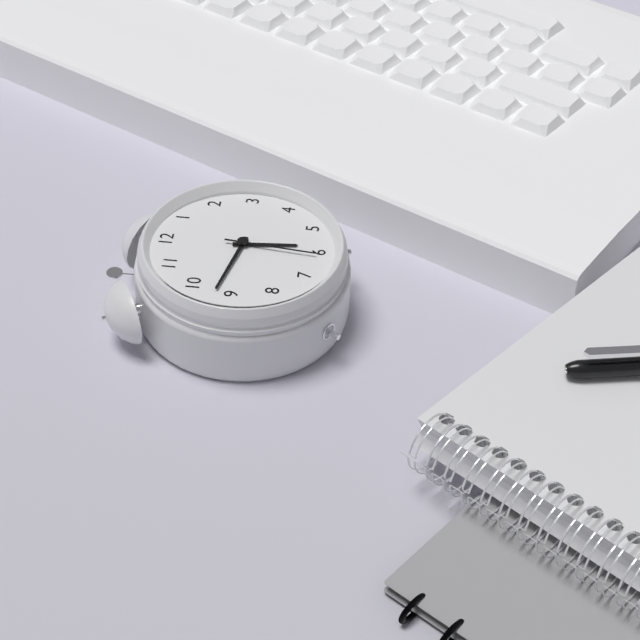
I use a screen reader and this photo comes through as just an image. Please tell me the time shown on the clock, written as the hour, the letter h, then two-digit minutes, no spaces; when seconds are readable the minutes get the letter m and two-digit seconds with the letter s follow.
5h47m31s
